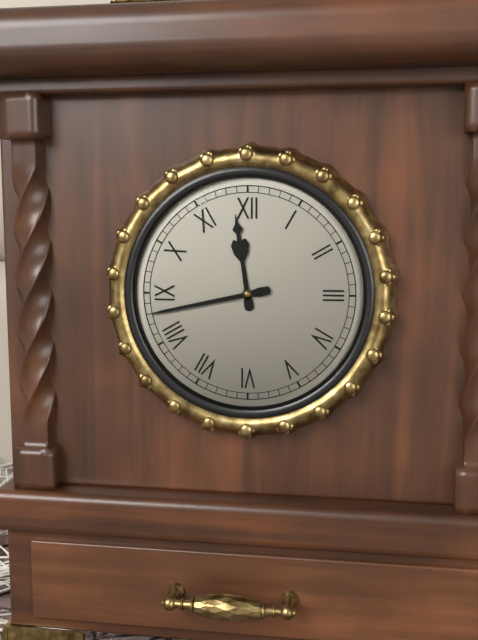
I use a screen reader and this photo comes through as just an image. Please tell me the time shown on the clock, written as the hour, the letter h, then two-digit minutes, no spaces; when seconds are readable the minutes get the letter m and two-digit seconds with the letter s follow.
11h43
